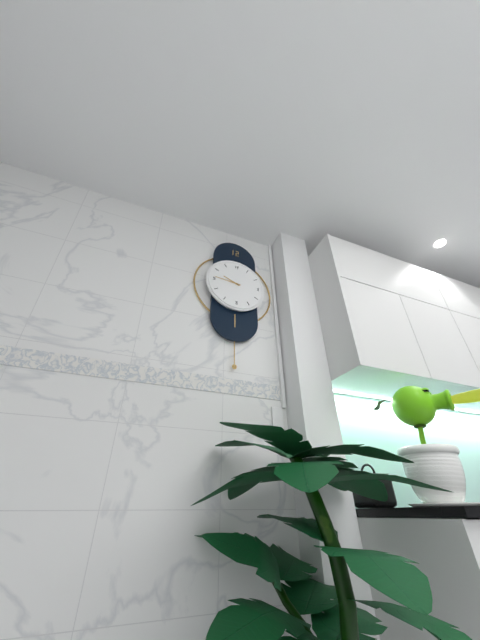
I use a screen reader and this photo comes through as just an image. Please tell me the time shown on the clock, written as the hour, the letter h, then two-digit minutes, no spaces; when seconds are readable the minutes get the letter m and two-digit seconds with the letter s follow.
9h46
